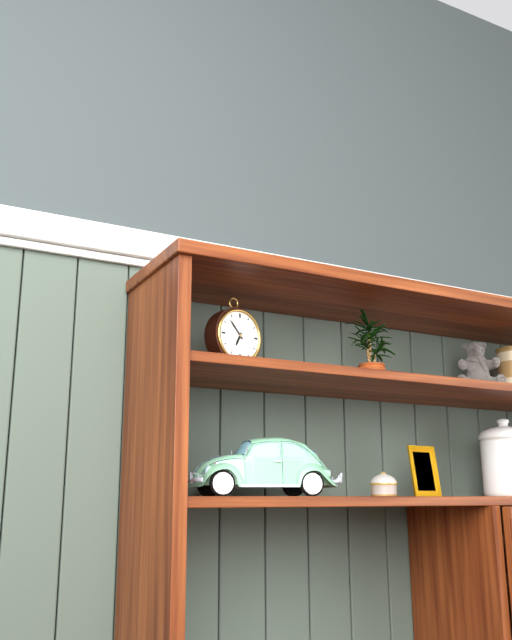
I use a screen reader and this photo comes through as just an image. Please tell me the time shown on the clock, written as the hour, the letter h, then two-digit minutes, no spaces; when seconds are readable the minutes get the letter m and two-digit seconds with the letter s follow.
6h53
